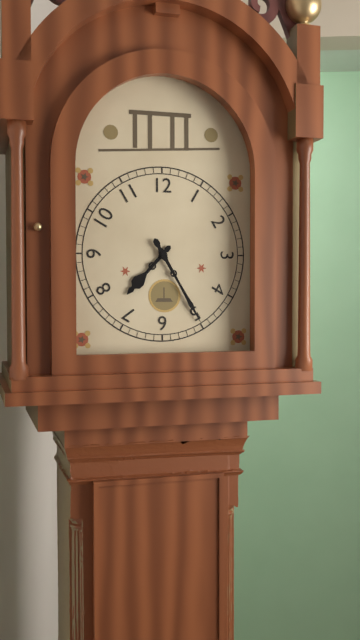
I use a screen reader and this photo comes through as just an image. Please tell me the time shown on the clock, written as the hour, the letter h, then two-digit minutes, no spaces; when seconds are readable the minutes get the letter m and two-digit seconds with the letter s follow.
7h25
